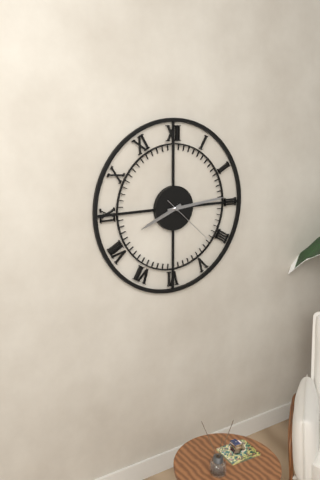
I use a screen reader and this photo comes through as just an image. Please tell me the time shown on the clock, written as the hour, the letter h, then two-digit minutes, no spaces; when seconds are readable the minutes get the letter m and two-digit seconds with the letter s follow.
8h14m22s
